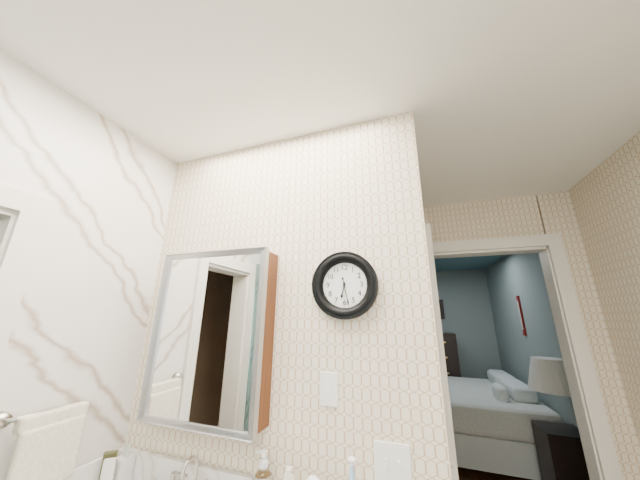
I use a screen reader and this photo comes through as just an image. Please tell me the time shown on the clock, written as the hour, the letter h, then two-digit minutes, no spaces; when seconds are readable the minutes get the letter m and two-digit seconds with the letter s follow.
6h28
